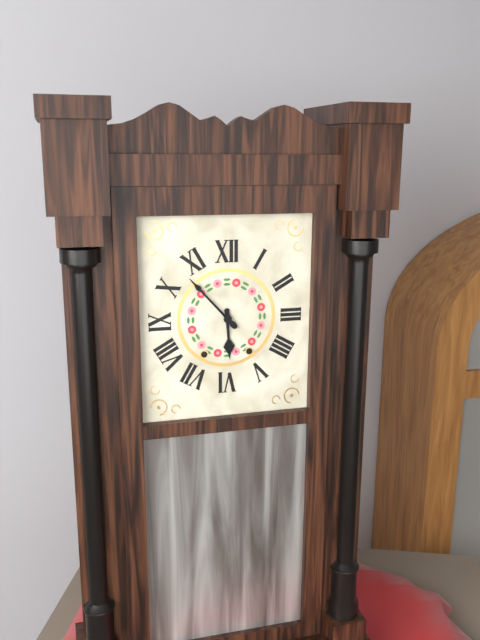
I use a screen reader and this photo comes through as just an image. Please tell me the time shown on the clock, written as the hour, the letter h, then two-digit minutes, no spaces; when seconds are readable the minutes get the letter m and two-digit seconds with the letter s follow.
5h53
